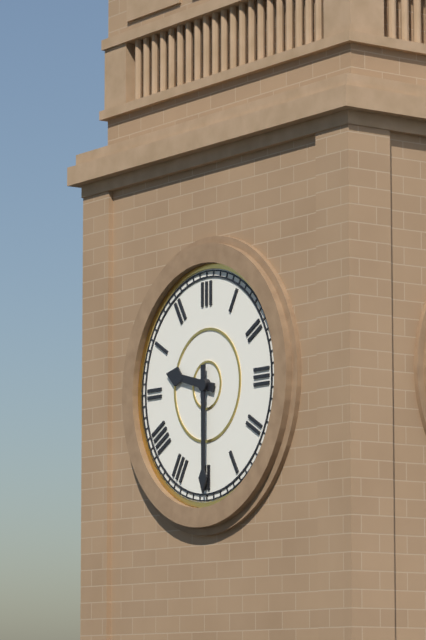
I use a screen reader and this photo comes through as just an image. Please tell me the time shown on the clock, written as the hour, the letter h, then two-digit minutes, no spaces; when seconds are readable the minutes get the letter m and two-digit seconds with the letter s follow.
9h30
